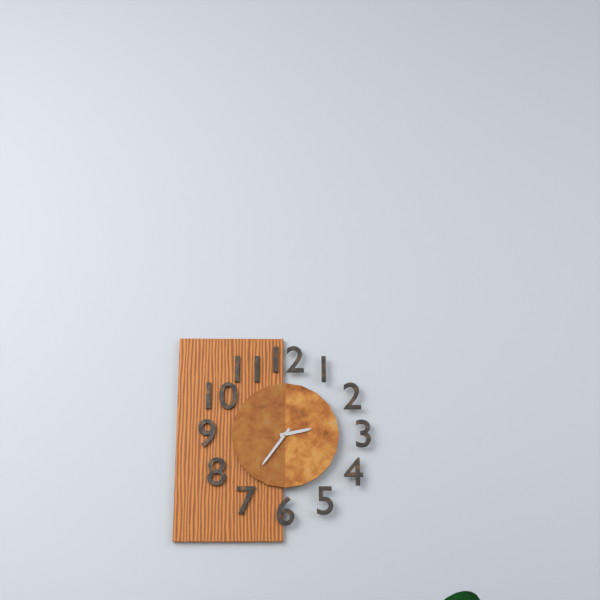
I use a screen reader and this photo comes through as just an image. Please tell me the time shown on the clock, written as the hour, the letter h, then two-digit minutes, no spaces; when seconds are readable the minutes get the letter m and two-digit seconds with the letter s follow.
2h36
